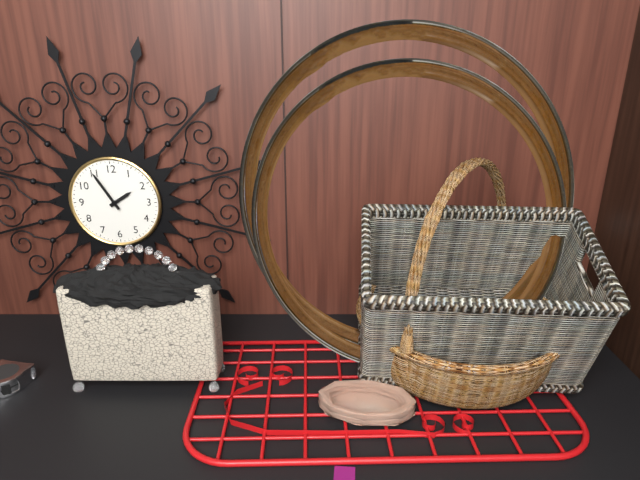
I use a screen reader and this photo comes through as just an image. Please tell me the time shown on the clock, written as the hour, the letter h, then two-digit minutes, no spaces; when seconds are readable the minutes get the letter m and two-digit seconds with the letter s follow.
1h55
